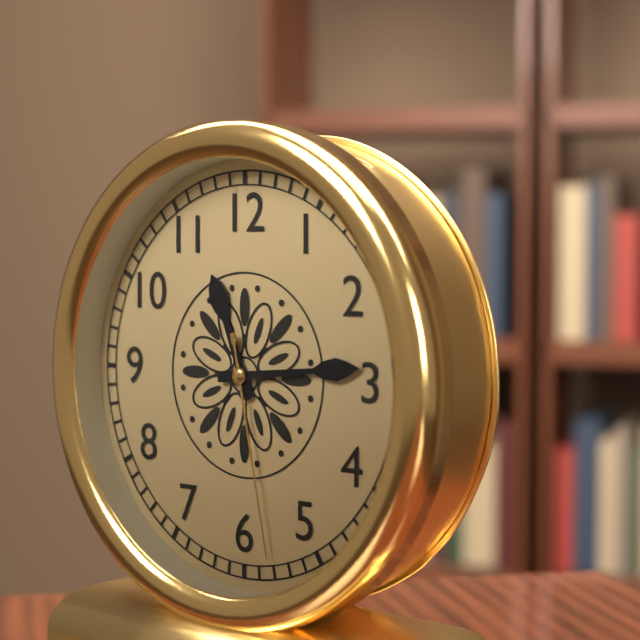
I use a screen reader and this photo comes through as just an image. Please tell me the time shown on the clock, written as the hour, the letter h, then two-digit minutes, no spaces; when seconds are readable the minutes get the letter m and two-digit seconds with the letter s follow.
11h14m28s
